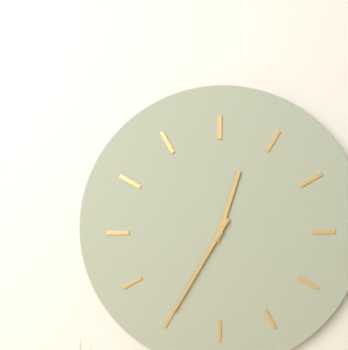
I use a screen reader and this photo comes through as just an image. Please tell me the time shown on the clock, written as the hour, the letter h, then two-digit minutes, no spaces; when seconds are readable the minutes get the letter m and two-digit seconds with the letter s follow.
12h35
